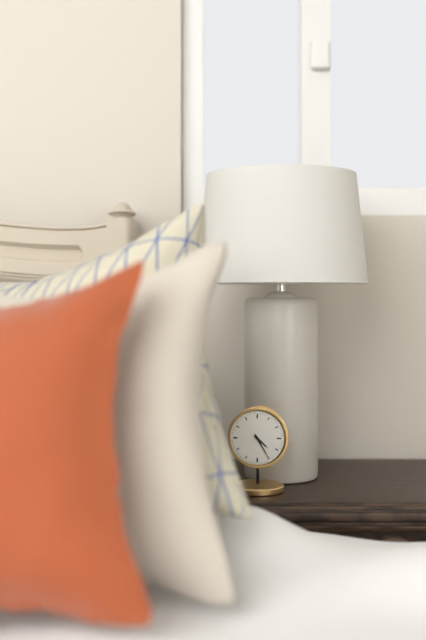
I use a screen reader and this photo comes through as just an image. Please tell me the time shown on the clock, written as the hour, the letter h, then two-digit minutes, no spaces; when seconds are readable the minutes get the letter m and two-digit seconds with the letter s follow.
4h25
